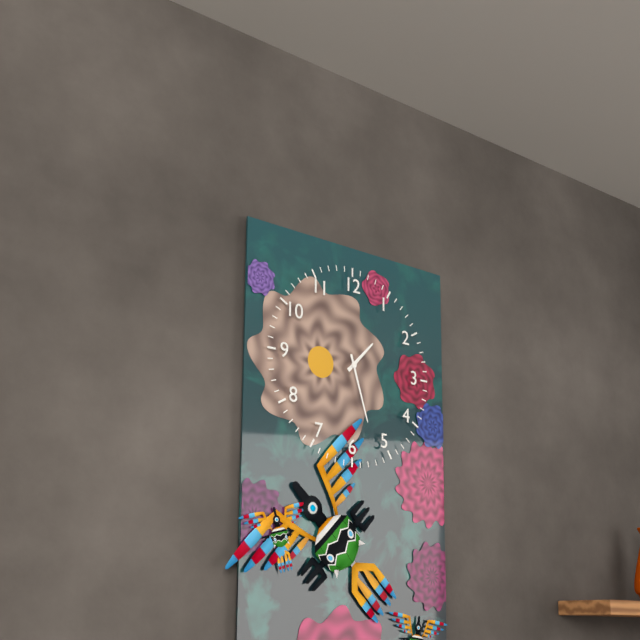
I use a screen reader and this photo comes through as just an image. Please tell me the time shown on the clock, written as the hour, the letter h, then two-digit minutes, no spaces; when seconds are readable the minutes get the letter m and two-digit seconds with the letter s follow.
1h27
